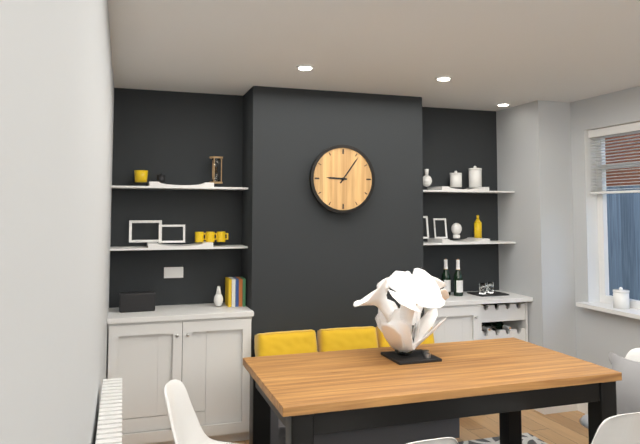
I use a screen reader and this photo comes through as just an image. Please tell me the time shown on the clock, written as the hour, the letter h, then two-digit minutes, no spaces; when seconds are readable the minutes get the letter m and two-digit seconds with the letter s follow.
9h06
